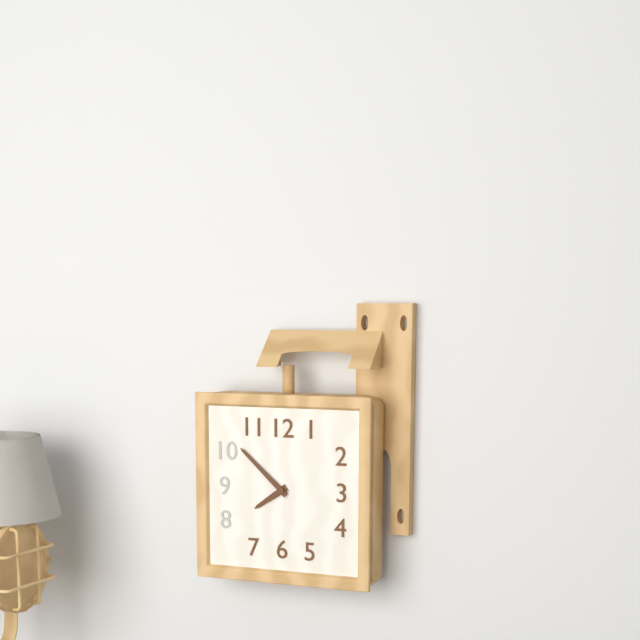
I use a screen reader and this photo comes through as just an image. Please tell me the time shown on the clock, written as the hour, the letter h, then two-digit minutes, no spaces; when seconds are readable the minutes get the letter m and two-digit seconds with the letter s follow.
7h52
